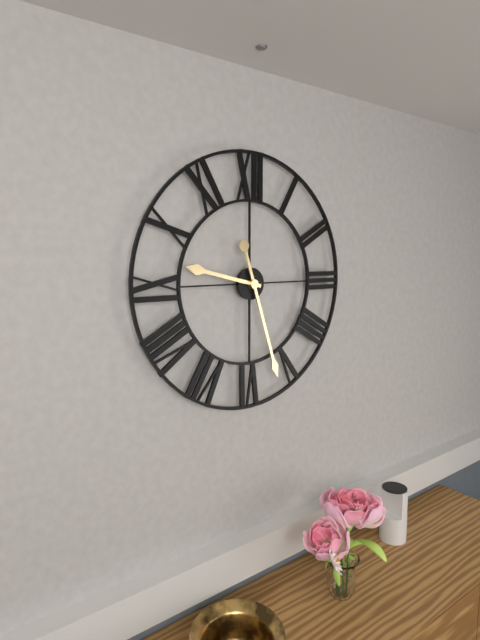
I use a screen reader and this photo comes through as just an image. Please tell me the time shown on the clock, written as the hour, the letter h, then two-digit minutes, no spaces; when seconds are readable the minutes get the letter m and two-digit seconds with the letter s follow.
9h27
